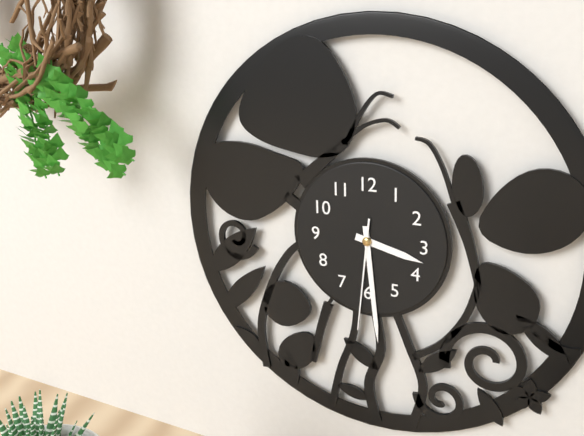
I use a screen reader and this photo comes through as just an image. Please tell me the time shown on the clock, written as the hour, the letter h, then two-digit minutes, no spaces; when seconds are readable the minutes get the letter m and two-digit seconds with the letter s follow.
3h29m31s
